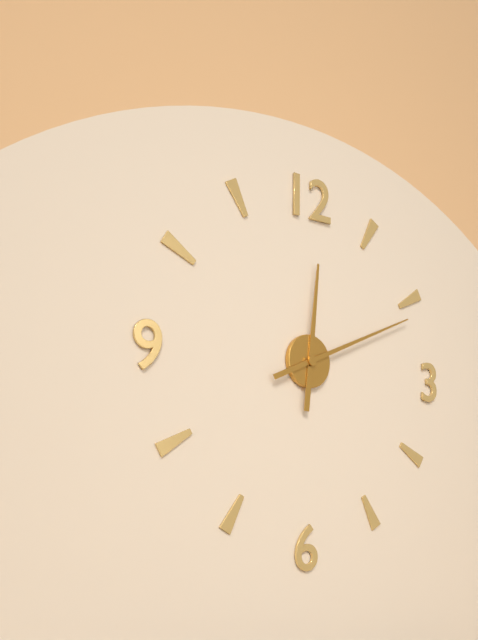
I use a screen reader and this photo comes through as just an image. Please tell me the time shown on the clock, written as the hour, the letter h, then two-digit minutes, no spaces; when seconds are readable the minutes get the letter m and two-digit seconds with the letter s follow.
12h11
